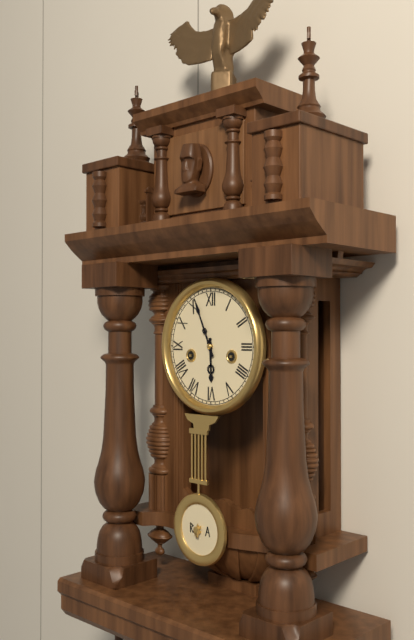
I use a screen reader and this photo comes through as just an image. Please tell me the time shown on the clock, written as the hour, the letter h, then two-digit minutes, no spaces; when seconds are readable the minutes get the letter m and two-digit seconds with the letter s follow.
5h56
